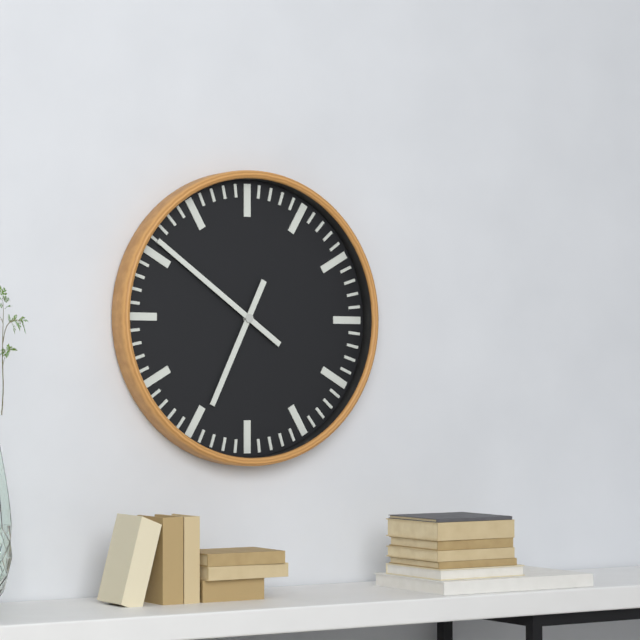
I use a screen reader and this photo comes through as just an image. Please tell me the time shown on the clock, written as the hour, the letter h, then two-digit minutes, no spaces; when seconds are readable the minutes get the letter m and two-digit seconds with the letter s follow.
6h51
